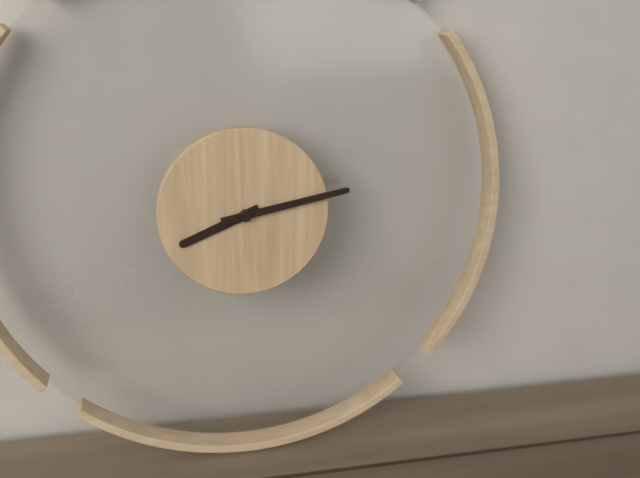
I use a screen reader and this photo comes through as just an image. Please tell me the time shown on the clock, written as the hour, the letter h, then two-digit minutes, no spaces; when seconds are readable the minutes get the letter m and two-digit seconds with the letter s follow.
8h13
